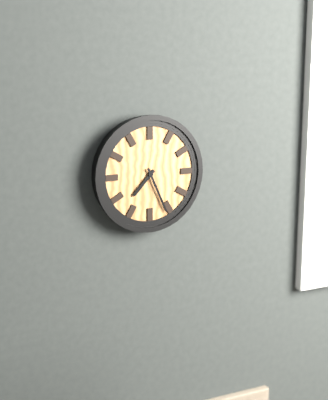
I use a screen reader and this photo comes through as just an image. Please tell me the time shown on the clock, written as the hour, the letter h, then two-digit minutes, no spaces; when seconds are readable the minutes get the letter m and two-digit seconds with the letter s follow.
7h26
